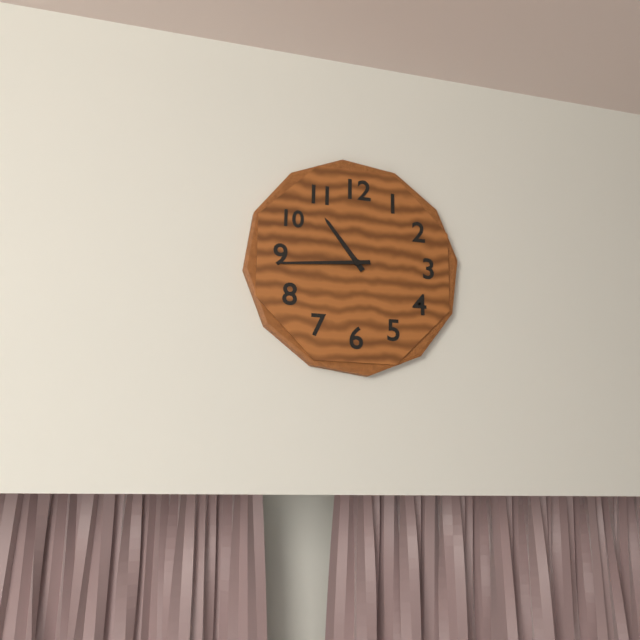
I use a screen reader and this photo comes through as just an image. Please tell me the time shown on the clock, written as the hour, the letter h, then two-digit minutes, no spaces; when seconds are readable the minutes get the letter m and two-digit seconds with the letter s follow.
10h44
